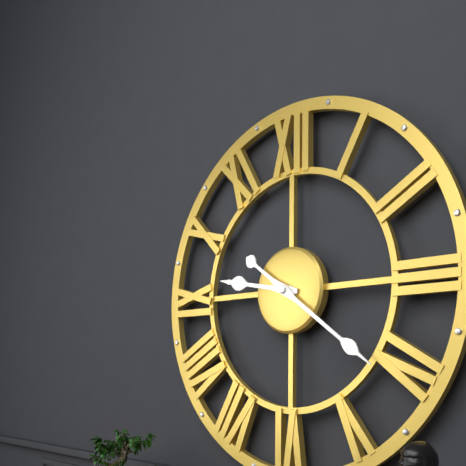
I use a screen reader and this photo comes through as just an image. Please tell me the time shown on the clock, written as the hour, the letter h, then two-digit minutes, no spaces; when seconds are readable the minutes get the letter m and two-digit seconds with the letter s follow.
9h21
